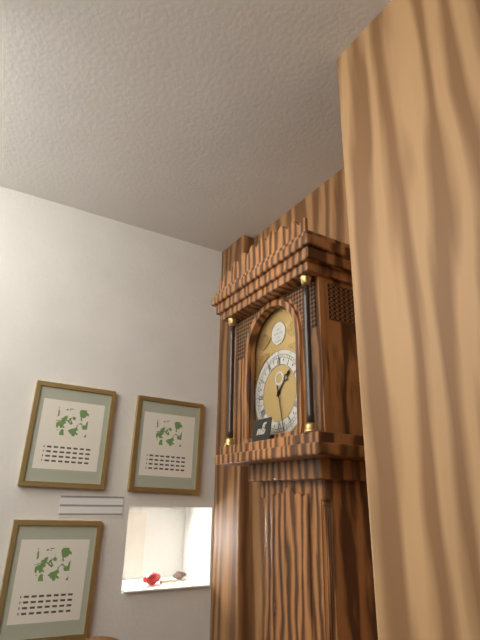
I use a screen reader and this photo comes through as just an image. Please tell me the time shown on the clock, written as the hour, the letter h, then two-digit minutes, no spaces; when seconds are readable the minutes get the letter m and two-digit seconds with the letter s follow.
1h28
